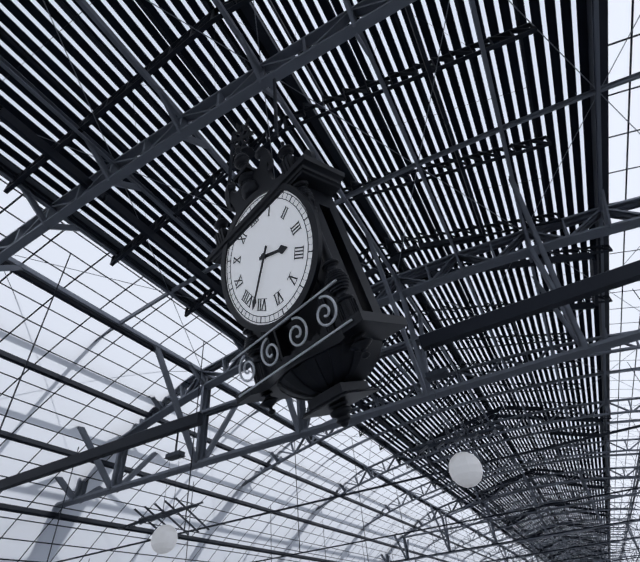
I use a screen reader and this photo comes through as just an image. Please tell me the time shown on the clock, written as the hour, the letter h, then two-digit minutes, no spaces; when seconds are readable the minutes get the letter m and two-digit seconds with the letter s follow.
3h37
